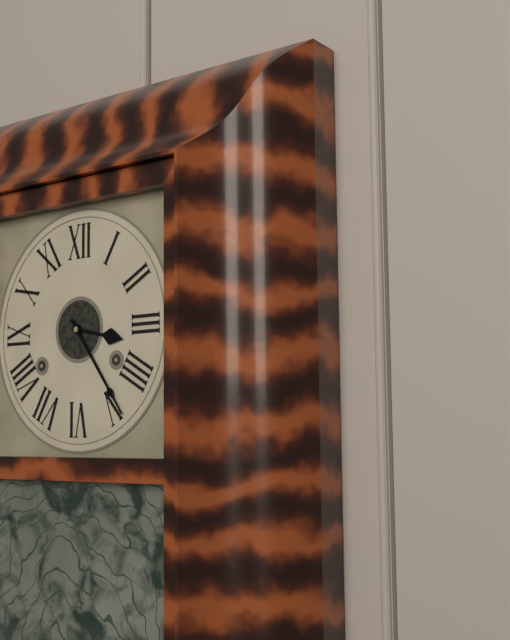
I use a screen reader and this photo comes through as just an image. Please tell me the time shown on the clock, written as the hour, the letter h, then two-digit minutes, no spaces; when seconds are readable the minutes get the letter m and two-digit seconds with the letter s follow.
3h24
